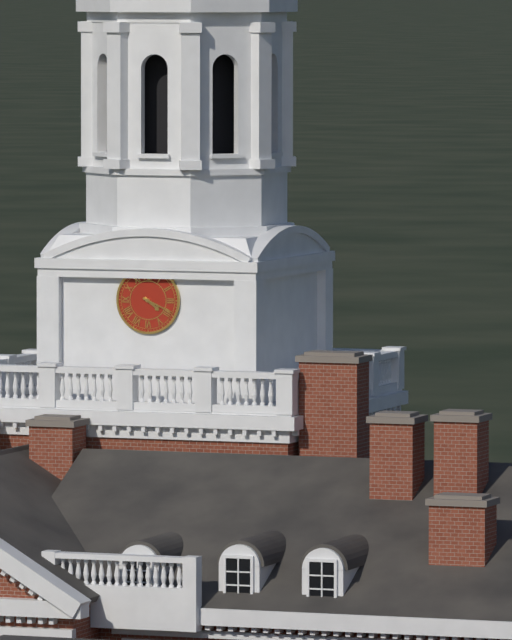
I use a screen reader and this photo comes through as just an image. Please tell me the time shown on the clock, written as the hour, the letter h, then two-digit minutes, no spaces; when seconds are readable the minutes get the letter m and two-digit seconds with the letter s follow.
4h19
